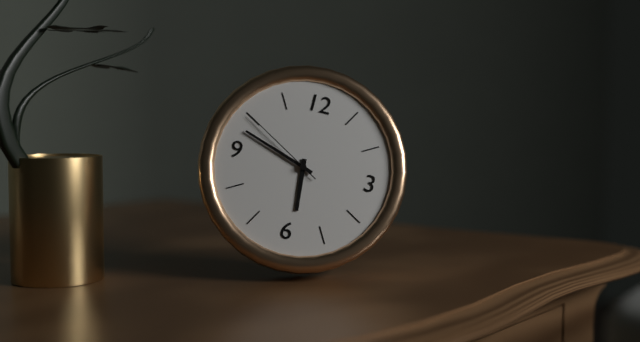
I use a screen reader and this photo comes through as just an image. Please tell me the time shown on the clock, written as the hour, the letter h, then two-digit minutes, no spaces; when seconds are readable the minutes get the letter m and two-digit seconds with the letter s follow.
5h48m50s
